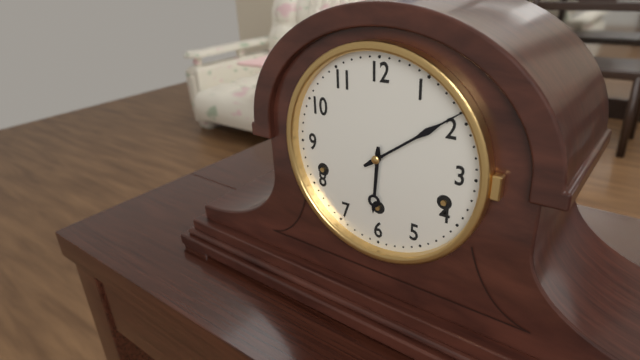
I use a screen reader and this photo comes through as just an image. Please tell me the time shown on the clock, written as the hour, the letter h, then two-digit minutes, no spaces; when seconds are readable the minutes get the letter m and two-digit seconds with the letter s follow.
6h09
